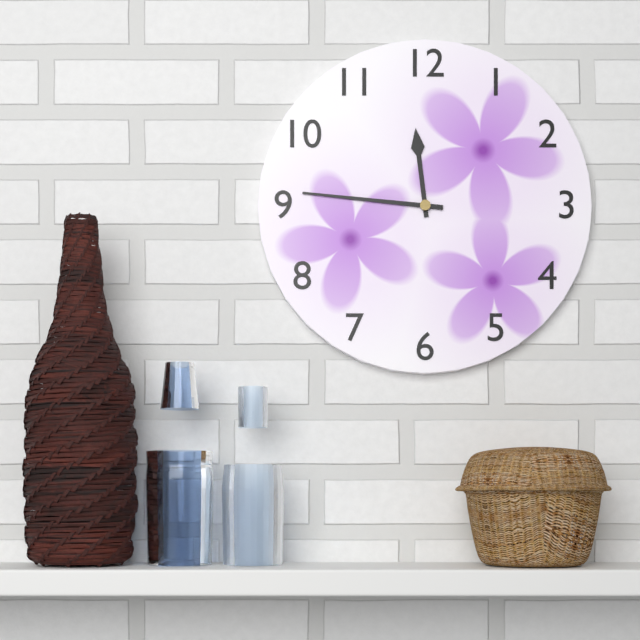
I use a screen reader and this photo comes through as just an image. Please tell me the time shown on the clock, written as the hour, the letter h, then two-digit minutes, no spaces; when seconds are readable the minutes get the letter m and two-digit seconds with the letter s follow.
11h46
